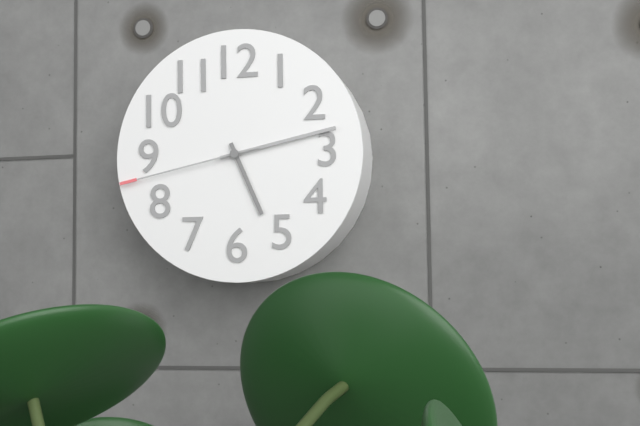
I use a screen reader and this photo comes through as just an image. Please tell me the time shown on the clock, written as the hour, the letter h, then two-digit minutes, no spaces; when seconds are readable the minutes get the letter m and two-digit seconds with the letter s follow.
5h13m43s
